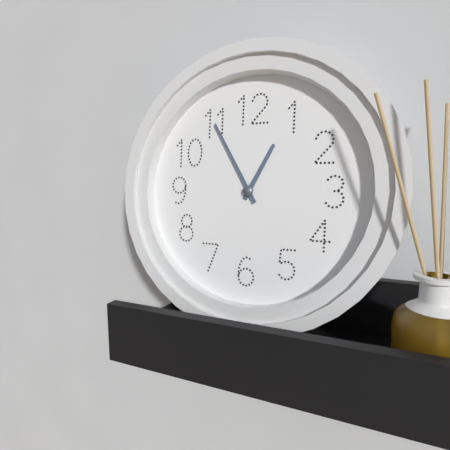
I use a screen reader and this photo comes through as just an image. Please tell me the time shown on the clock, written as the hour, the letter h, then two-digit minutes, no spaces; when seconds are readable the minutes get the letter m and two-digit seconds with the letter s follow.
12h55
